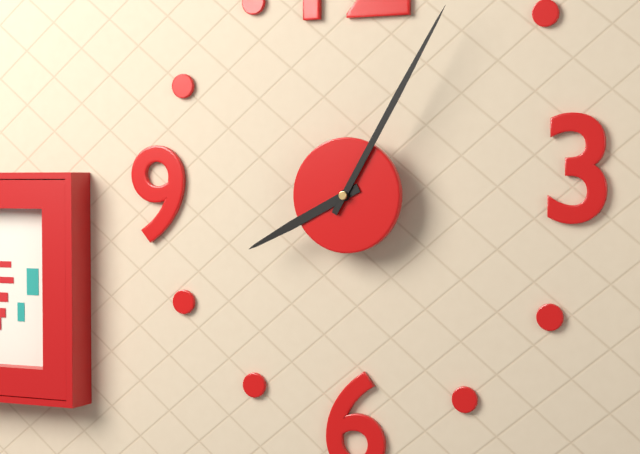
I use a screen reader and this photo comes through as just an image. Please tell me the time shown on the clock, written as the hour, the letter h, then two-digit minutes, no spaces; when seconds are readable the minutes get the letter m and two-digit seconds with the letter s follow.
8h05
